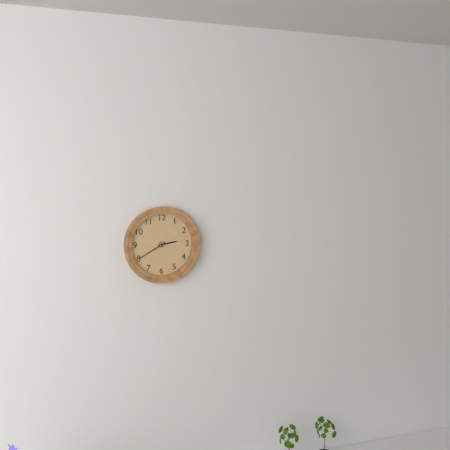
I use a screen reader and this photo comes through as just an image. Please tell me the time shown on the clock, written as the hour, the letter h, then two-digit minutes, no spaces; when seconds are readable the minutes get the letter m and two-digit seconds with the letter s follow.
2h40
